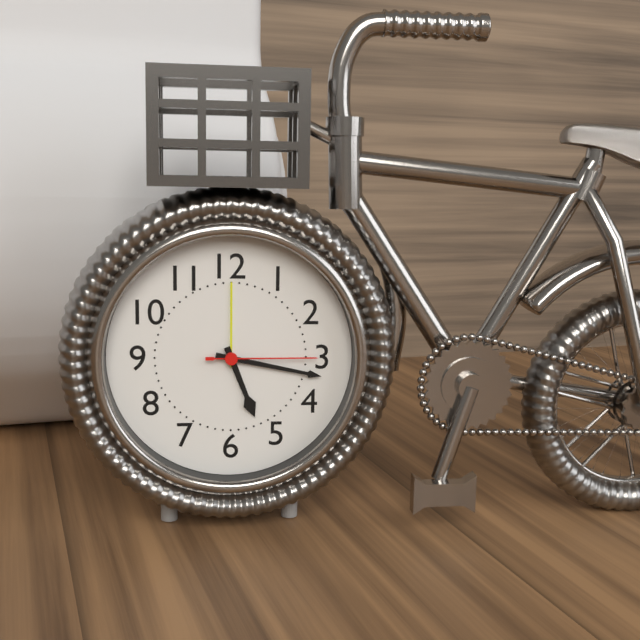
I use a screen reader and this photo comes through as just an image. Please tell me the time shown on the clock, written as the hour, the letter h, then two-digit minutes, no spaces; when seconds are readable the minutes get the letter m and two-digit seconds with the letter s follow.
5h17m15s
